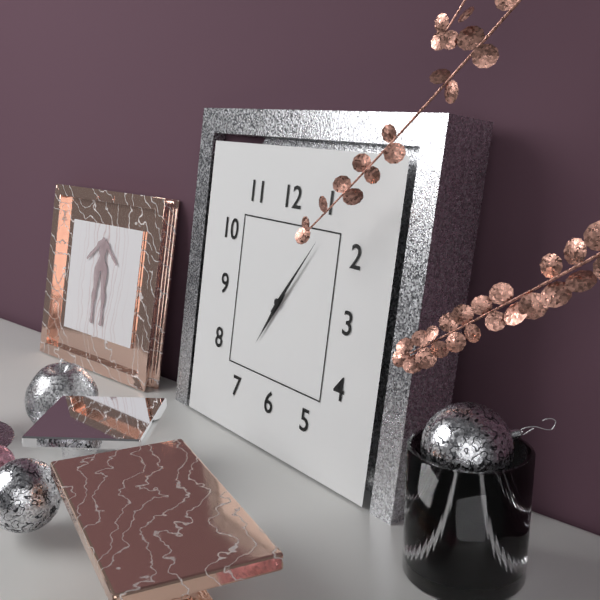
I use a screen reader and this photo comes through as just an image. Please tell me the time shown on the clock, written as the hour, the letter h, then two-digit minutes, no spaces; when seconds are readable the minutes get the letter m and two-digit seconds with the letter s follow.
7h06
